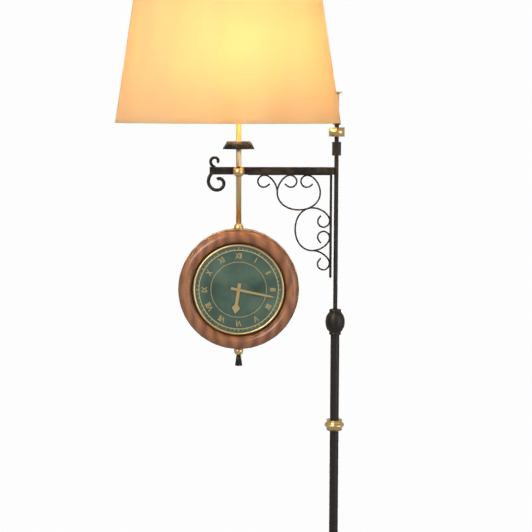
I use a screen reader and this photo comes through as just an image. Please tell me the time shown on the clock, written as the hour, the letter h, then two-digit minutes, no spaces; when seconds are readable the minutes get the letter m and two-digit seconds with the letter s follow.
6h17
